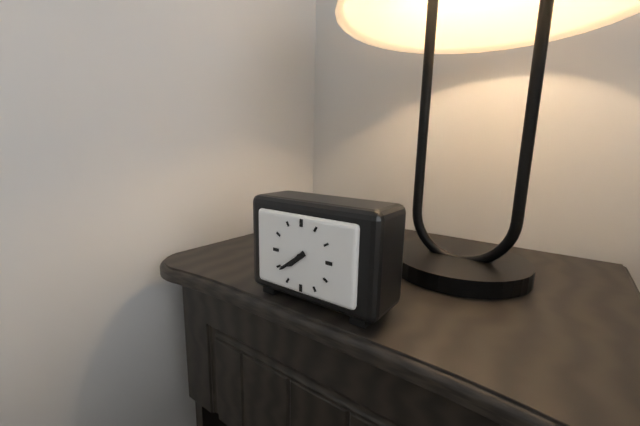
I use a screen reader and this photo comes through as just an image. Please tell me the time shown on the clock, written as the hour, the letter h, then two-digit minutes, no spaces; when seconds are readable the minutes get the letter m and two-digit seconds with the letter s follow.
7h39
